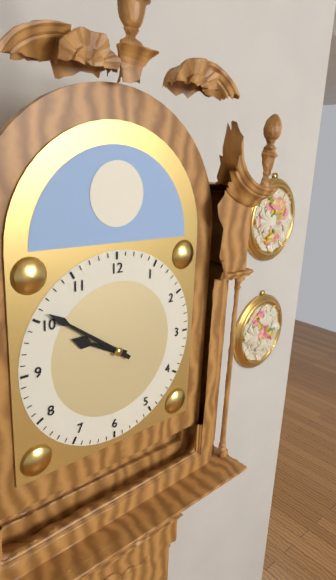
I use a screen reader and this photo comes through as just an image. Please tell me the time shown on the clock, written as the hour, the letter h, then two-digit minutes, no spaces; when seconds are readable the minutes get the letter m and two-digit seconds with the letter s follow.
9h51
